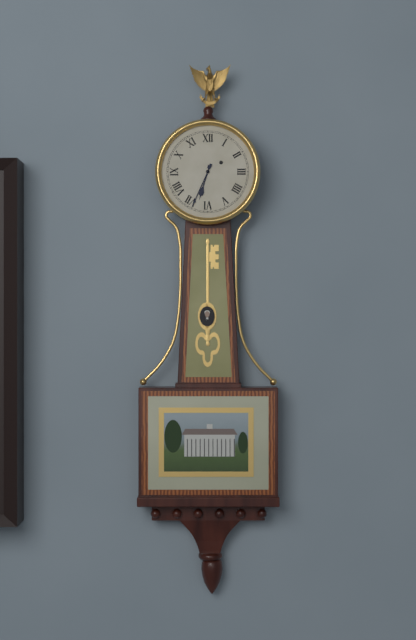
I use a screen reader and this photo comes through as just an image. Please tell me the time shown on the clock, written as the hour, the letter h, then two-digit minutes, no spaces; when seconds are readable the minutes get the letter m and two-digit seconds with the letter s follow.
6h34
